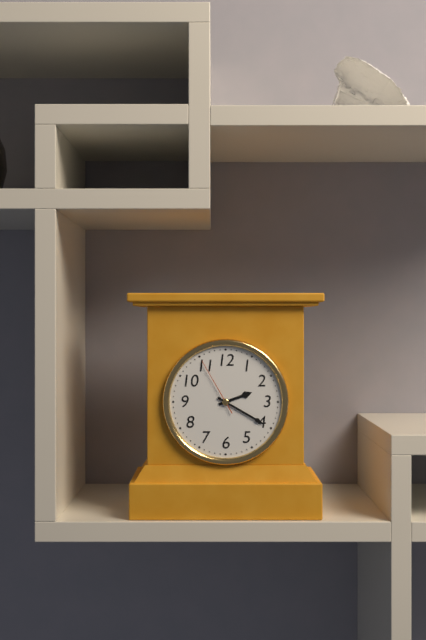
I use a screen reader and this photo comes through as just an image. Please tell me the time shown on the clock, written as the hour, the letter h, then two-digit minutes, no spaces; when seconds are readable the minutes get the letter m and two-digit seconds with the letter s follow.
2h20m55s
